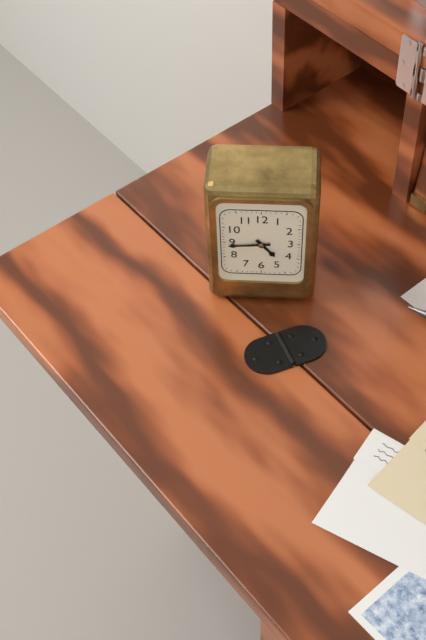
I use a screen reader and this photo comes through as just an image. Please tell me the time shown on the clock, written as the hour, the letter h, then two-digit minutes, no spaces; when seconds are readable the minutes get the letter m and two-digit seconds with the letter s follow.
4h44
